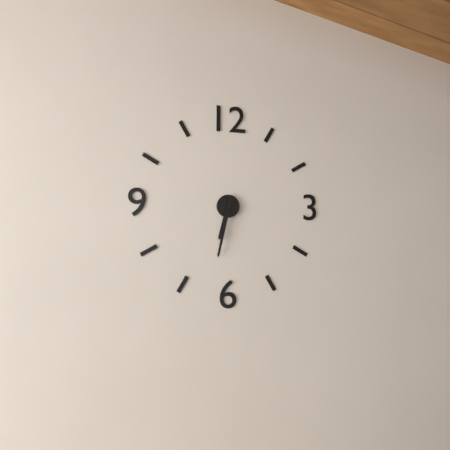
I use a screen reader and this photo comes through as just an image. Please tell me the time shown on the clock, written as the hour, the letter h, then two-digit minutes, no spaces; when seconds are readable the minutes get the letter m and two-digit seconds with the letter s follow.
6h32
